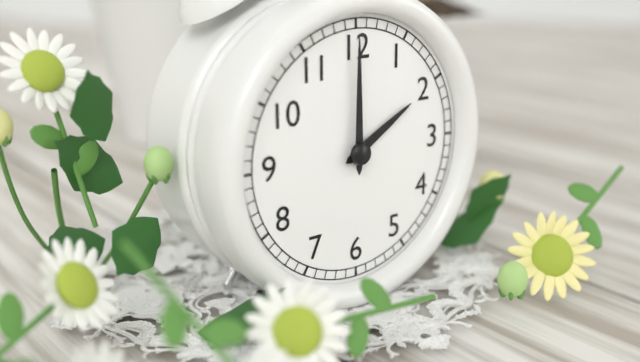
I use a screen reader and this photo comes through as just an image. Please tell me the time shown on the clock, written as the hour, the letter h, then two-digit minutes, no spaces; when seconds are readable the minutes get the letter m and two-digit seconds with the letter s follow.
2h00
